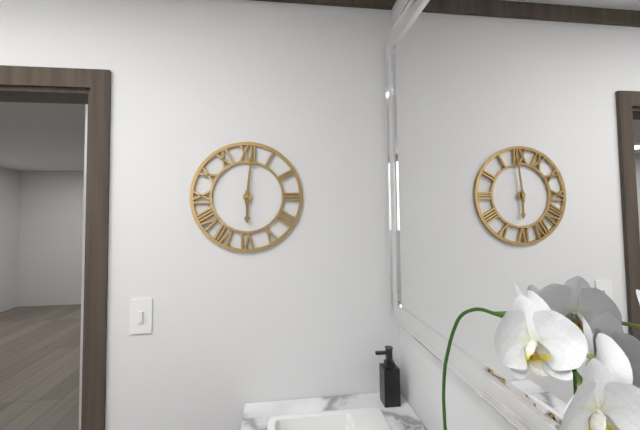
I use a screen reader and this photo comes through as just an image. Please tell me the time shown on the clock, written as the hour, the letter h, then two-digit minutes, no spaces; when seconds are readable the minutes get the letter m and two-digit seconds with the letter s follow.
6h01
